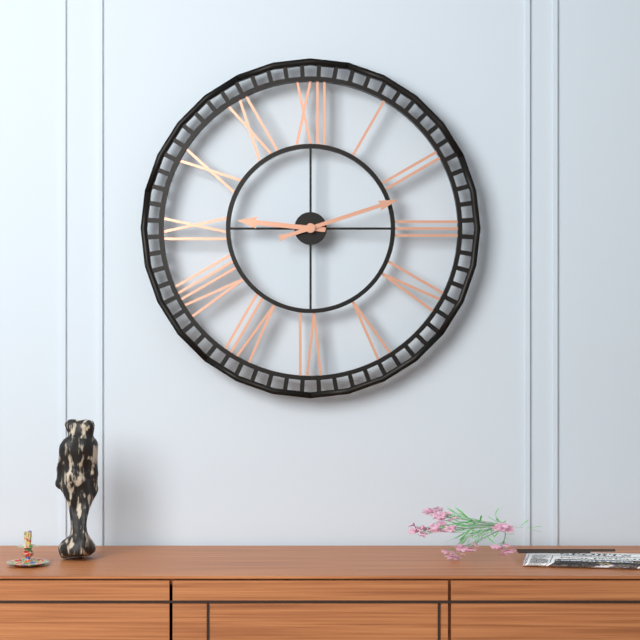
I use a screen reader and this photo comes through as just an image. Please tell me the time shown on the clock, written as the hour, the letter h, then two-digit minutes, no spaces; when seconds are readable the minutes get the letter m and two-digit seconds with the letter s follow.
9h12
